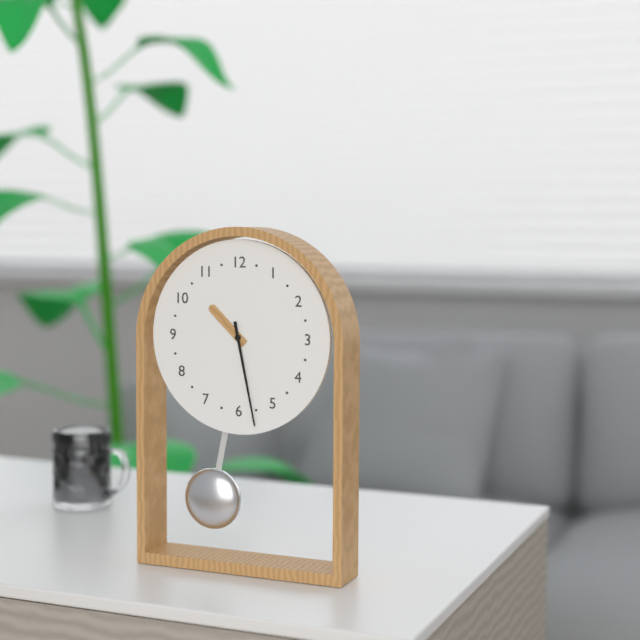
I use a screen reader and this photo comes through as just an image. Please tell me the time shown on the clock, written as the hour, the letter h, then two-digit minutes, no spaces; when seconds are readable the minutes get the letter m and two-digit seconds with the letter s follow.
10h28
